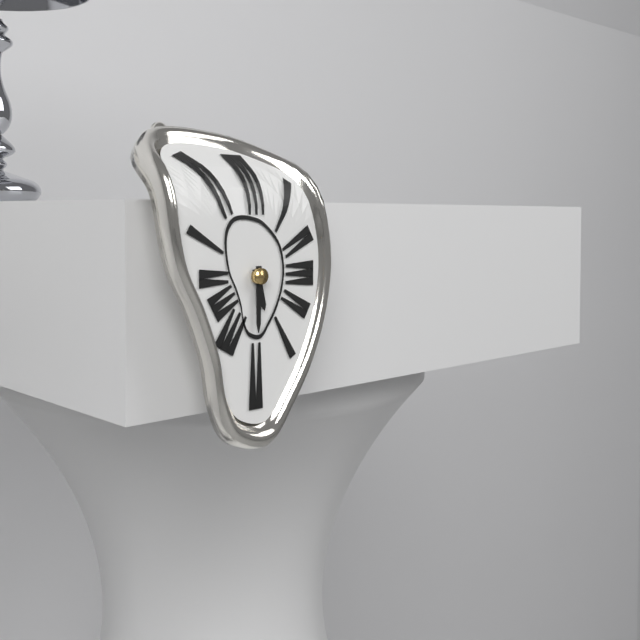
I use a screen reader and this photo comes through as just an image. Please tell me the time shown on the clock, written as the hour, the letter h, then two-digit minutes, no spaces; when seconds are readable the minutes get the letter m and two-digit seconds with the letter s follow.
5h30
